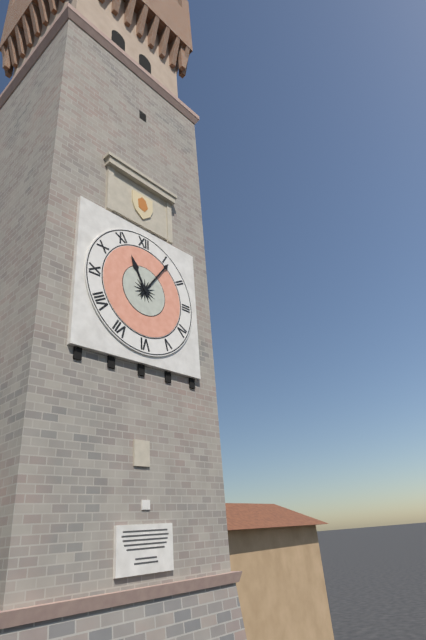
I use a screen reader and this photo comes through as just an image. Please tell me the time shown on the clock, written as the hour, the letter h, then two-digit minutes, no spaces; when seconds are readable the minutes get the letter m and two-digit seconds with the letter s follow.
11h06
